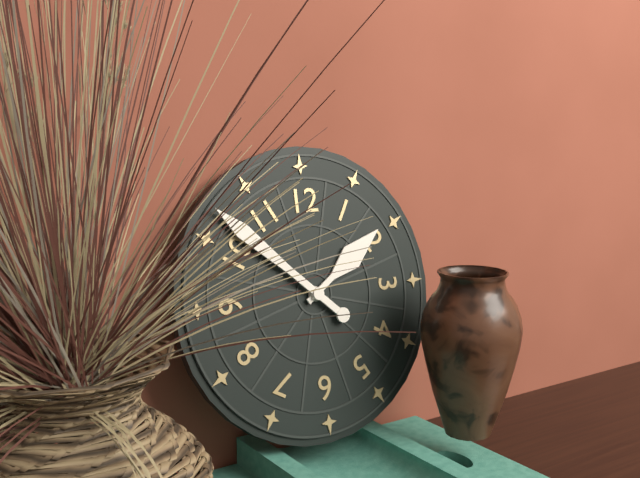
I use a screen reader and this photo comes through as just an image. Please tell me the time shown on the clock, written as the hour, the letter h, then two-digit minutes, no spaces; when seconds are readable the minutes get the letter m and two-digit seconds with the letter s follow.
1h52
